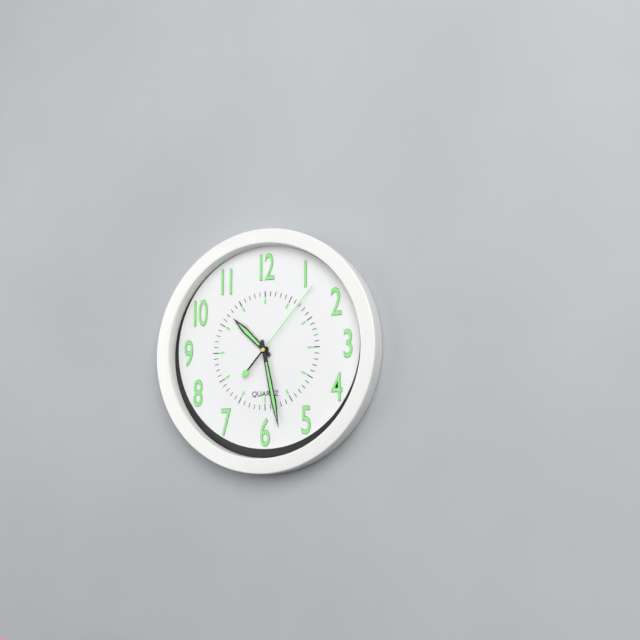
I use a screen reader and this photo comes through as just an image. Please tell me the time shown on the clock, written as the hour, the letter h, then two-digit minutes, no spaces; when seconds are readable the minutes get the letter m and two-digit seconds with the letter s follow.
10h28m07s
